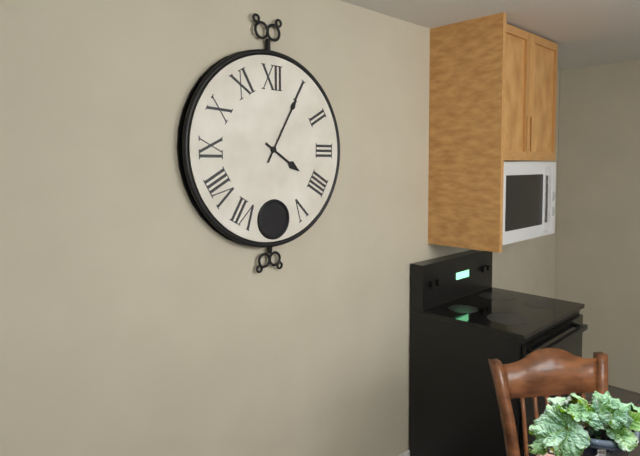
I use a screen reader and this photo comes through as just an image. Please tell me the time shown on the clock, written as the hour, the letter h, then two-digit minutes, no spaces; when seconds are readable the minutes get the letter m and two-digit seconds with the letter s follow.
4h05
